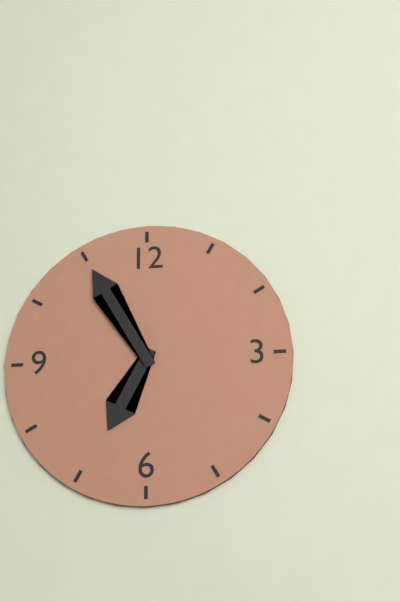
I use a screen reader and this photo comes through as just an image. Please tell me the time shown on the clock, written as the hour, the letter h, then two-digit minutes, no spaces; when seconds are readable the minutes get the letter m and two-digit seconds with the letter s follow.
6h55
